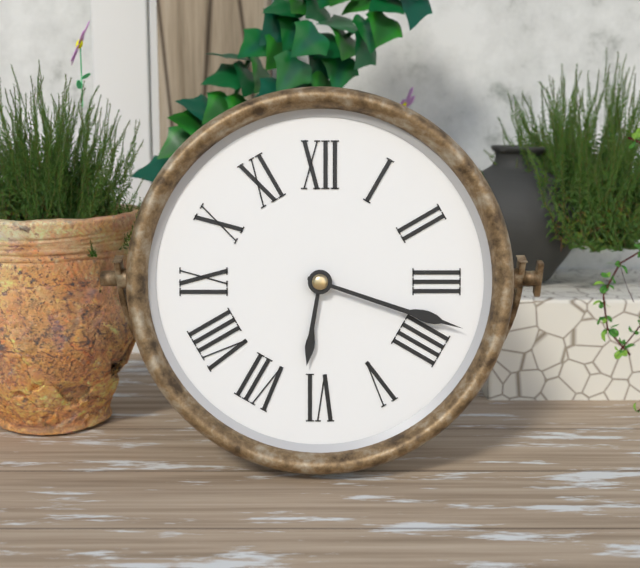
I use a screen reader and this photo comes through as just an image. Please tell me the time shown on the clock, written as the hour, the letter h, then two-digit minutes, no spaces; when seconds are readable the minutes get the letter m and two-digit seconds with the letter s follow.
6h18
